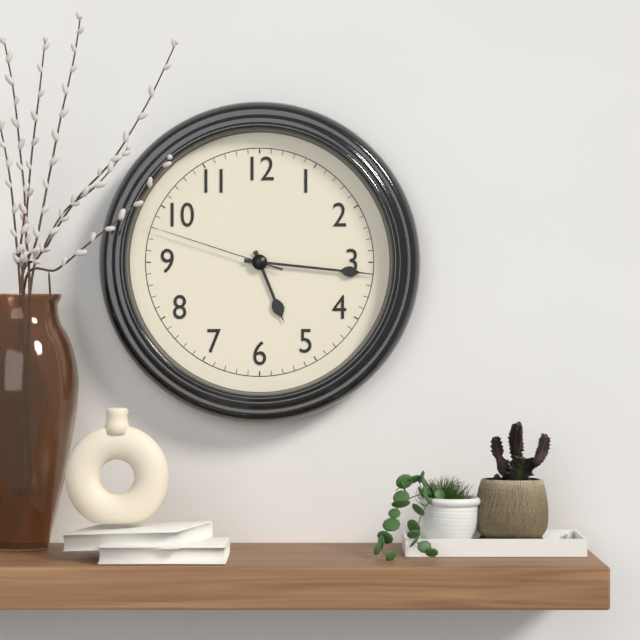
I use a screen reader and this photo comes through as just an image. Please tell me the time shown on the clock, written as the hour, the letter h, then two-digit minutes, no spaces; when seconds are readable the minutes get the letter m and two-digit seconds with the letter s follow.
5h16m48s
